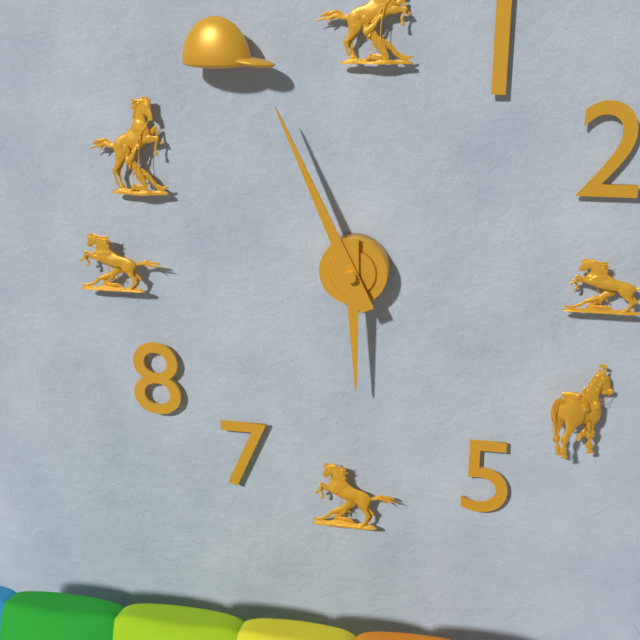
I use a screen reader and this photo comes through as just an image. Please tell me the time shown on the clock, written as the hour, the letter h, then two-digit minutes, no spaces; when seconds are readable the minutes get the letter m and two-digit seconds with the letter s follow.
5h56
